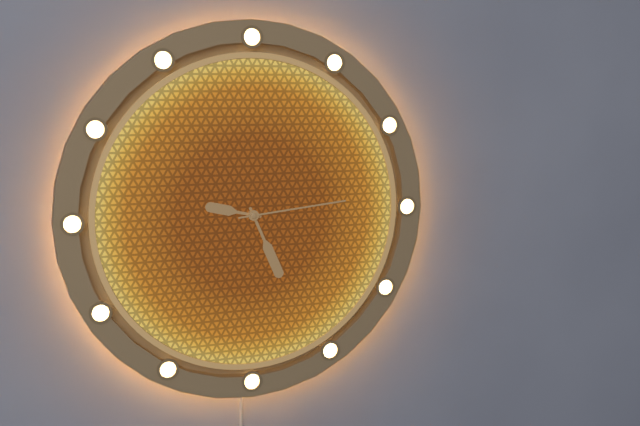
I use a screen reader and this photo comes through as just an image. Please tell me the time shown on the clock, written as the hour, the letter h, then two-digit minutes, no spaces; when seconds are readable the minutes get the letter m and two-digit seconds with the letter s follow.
9h26m14s
